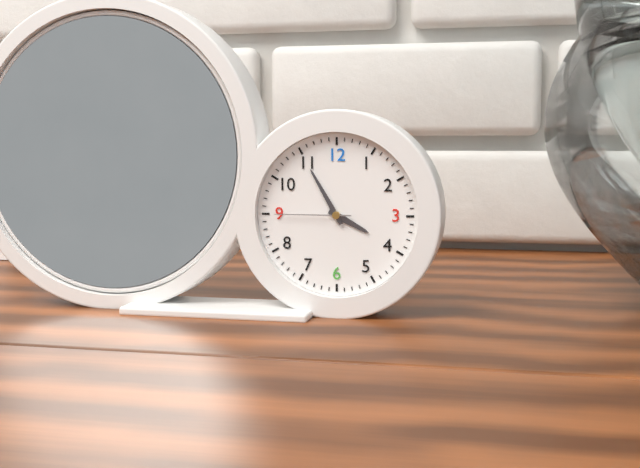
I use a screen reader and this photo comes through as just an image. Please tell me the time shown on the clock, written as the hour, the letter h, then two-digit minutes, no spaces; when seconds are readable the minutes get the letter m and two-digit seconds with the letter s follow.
3h55m45s
